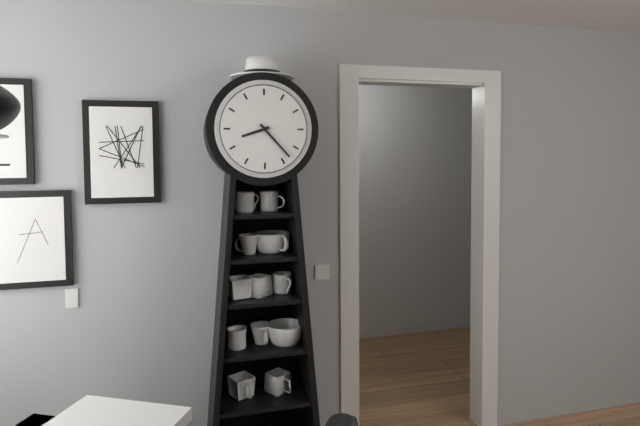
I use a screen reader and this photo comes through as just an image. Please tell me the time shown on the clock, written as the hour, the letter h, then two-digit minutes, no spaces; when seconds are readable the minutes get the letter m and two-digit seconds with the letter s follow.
8h23
